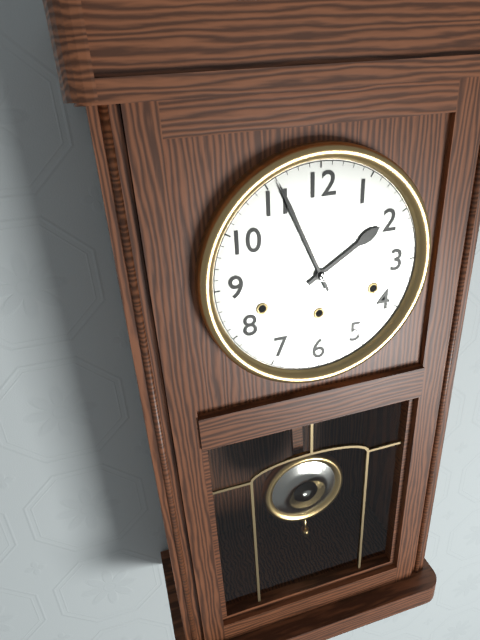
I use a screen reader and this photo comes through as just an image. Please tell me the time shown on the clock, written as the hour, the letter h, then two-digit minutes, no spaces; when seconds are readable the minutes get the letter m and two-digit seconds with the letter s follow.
1h56
